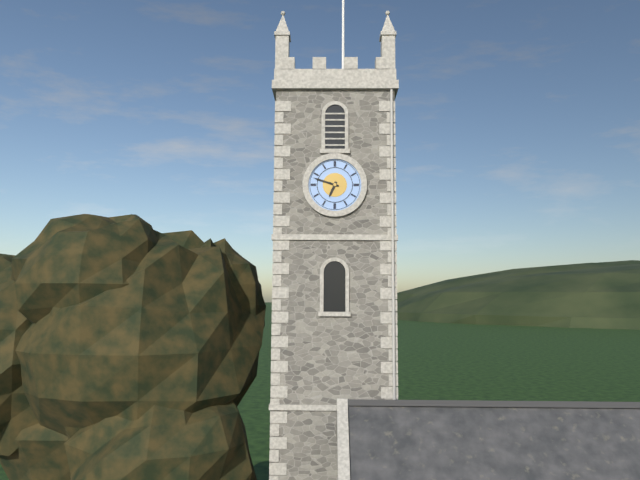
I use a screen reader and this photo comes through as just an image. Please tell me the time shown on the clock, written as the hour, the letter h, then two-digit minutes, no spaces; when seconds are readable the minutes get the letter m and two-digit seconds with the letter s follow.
6h48
